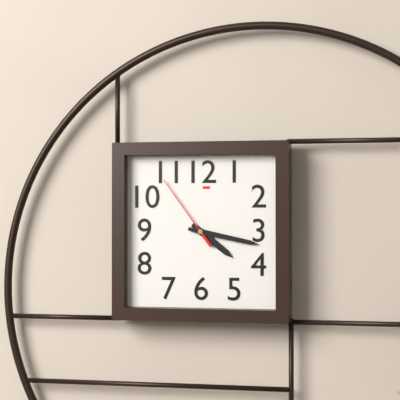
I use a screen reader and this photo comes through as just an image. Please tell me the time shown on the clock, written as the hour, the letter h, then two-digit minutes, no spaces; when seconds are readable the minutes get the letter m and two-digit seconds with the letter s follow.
4h17m54s
